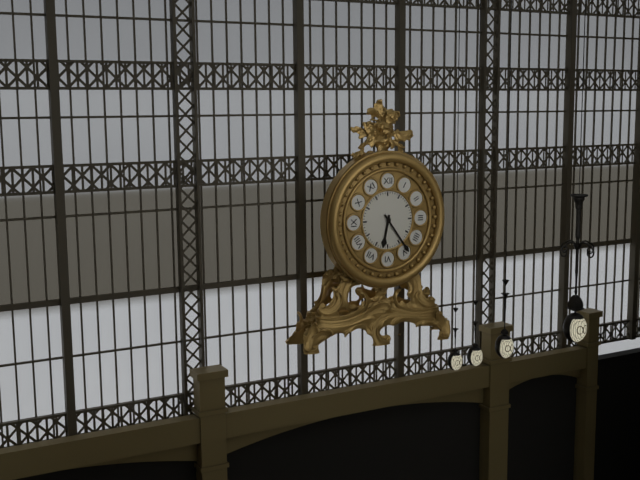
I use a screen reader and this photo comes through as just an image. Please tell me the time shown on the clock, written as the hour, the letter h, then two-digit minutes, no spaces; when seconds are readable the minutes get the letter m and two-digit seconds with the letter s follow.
6h24
